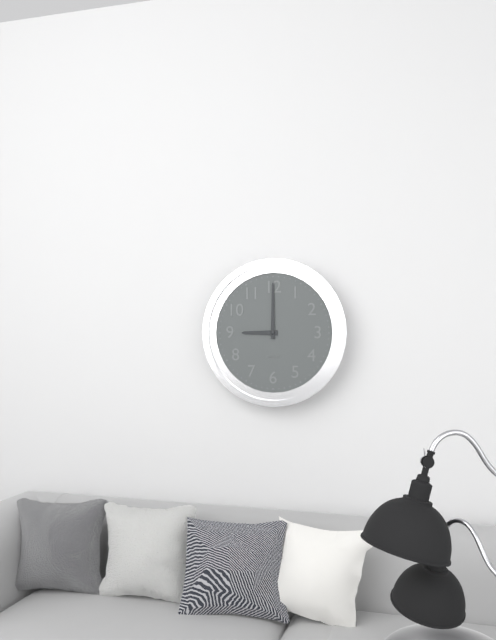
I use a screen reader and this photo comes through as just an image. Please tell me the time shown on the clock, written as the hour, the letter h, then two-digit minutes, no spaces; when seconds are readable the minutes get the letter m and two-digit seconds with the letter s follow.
9h00
